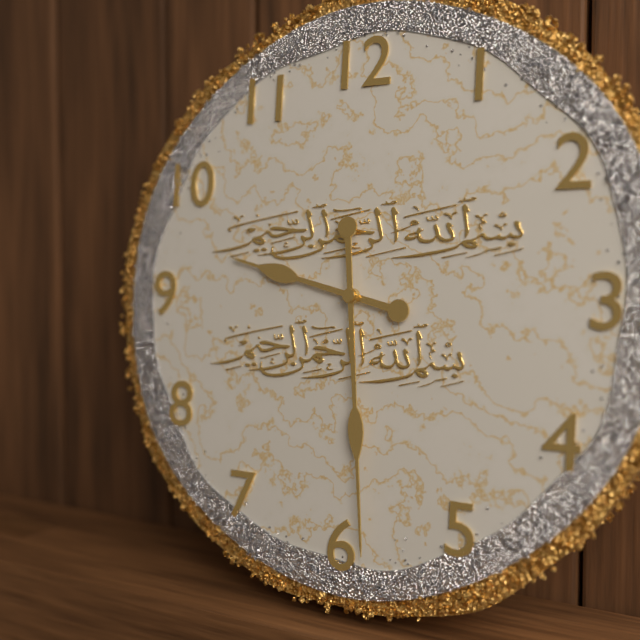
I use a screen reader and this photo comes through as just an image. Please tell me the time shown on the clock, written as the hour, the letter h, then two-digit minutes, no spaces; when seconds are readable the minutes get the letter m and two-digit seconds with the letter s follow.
9h29
